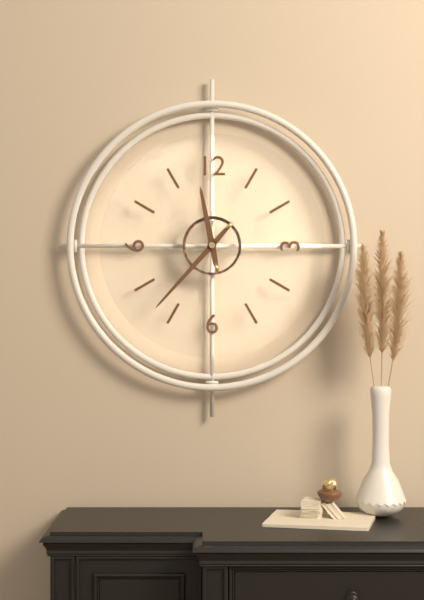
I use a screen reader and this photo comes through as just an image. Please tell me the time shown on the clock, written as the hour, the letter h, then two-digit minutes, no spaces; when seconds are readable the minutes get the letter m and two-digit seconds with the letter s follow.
11h37
